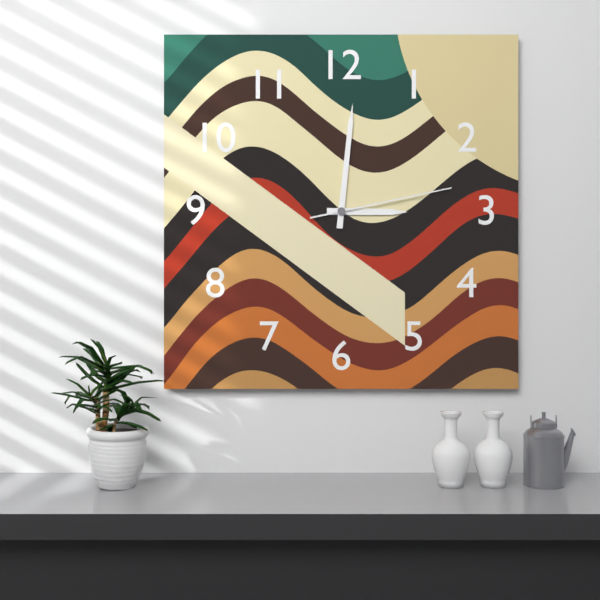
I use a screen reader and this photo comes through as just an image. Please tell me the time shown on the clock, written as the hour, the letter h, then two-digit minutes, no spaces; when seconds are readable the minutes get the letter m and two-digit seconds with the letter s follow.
3h01m13s
